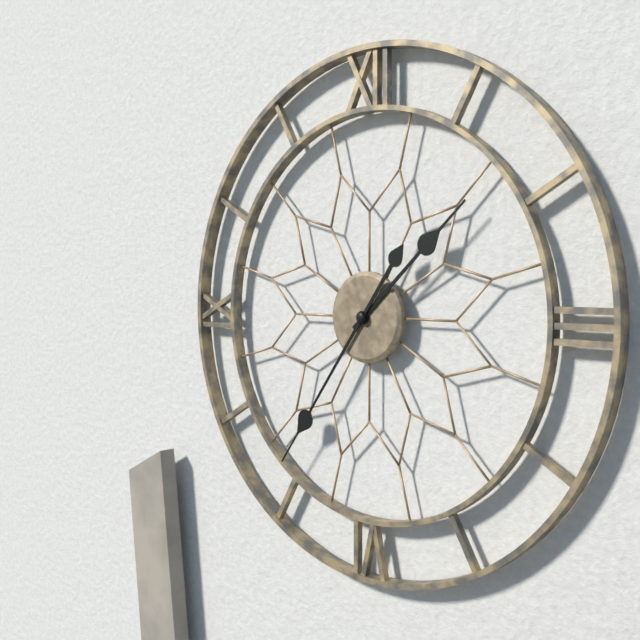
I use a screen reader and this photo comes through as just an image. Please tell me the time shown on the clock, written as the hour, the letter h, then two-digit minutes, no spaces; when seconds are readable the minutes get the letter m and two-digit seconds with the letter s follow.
1h36
